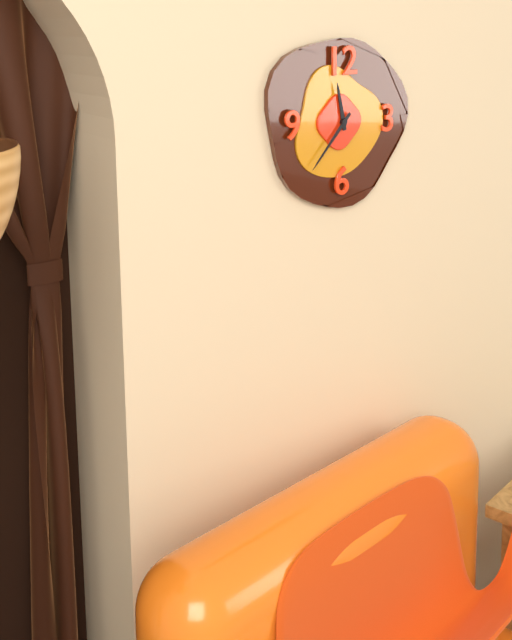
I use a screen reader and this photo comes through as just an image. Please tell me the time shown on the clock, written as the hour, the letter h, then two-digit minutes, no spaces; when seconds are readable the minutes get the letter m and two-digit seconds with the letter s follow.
11h37
